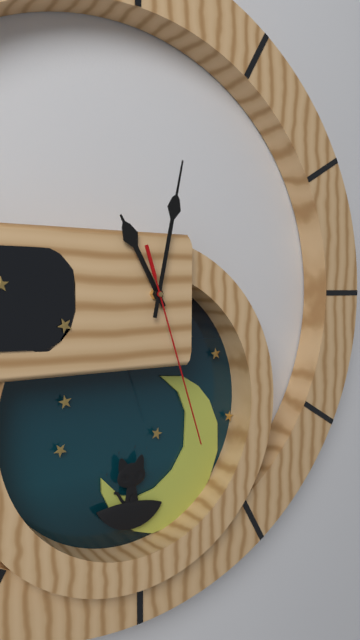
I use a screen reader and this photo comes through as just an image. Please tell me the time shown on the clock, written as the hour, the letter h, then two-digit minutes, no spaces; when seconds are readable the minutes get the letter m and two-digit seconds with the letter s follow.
11h02m27s
